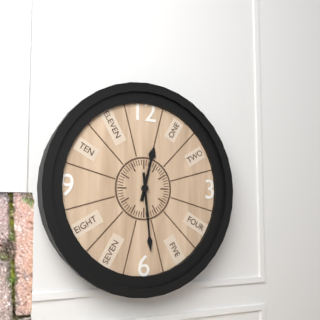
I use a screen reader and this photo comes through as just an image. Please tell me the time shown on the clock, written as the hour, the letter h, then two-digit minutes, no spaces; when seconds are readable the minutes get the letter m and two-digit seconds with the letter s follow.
12h29
